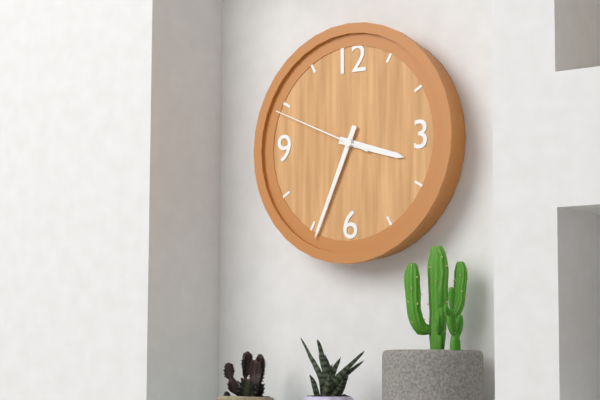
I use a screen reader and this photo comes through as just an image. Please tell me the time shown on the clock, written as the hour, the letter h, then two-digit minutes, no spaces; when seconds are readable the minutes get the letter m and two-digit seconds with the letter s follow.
3h34m49s
